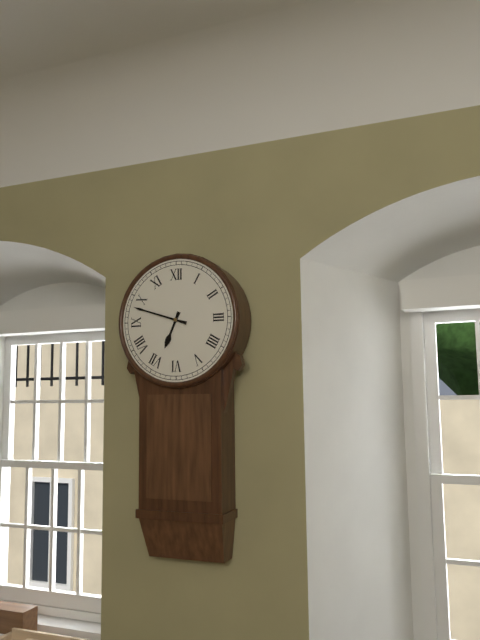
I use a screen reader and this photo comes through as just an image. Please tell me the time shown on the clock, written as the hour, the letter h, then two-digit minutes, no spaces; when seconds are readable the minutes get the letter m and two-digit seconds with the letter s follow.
6h48
